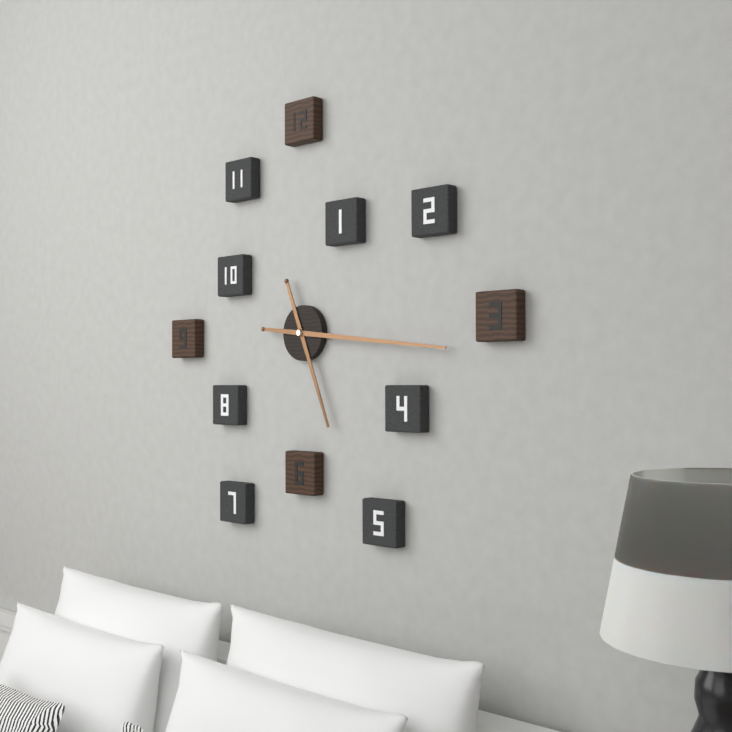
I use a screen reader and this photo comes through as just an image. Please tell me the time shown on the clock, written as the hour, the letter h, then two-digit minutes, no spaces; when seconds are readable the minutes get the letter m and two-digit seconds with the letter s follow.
5h16
